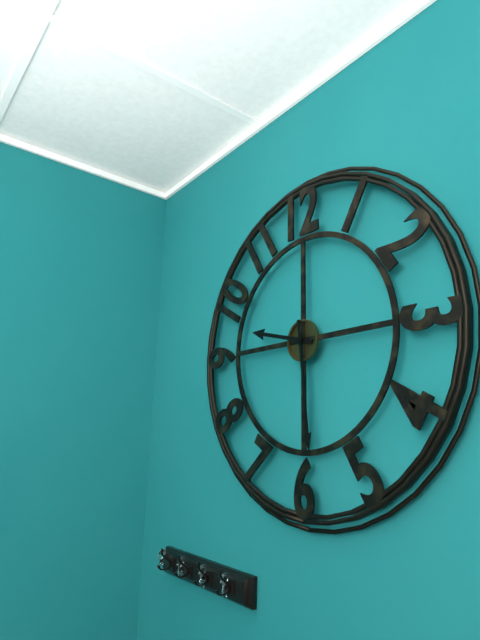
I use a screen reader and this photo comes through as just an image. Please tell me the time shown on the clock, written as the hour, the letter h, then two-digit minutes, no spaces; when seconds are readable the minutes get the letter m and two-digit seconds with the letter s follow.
9h29
